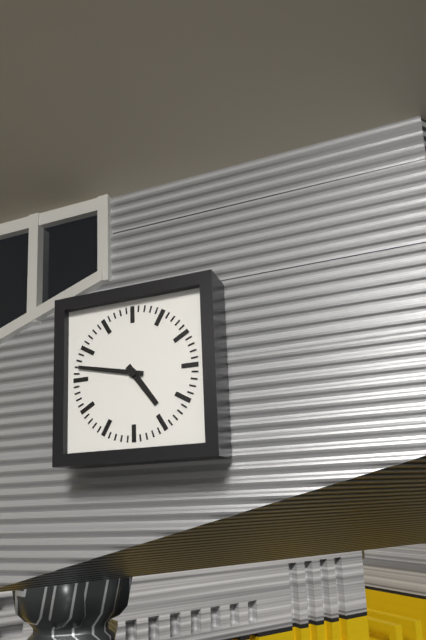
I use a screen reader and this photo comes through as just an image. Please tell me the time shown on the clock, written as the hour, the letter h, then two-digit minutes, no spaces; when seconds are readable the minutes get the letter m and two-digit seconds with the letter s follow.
4h47
